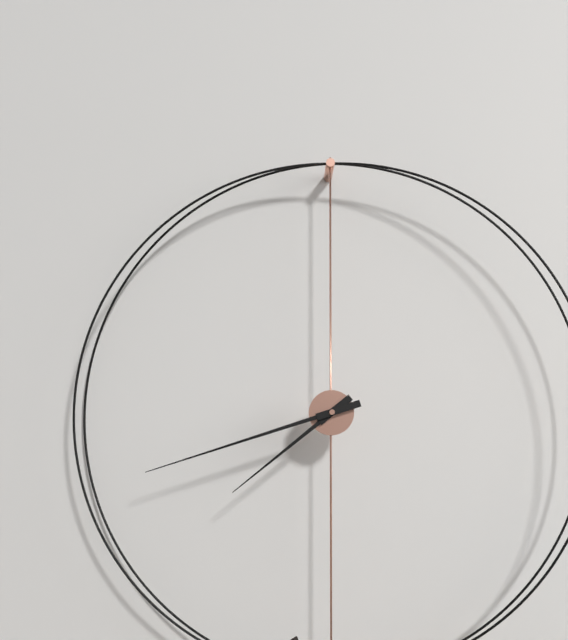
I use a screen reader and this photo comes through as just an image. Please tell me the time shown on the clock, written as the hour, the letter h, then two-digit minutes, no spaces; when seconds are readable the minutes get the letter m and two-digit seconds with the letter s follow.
7h42
